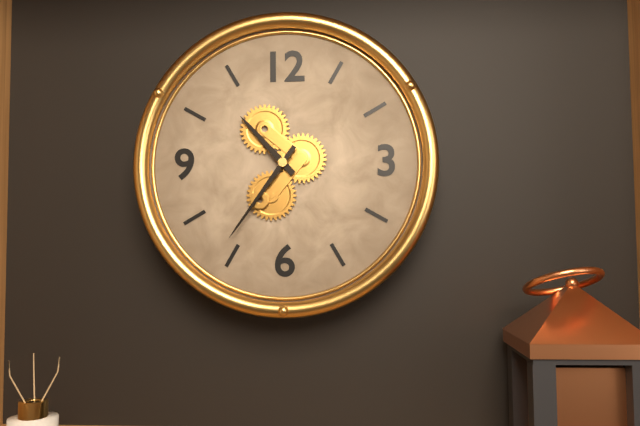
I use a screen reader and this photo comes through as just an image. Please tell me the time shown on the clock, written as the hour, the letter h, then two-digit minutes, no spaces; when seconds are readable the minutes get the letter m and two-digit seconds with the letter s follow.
10h36
